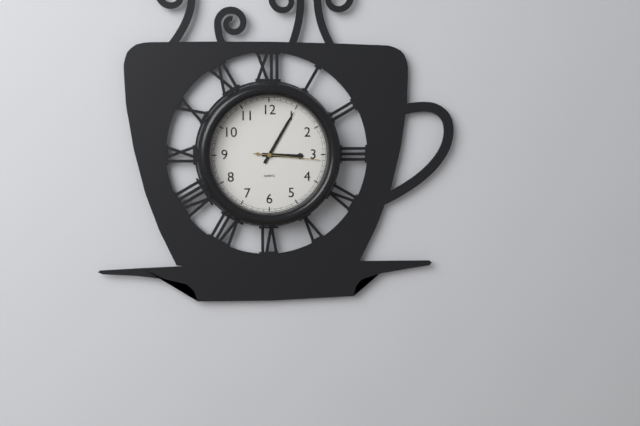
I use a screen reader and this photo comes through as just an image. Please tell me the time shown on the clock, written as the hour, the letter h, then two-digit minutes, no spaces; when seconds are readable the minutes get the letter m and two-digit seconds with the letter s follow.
3h05m16s
